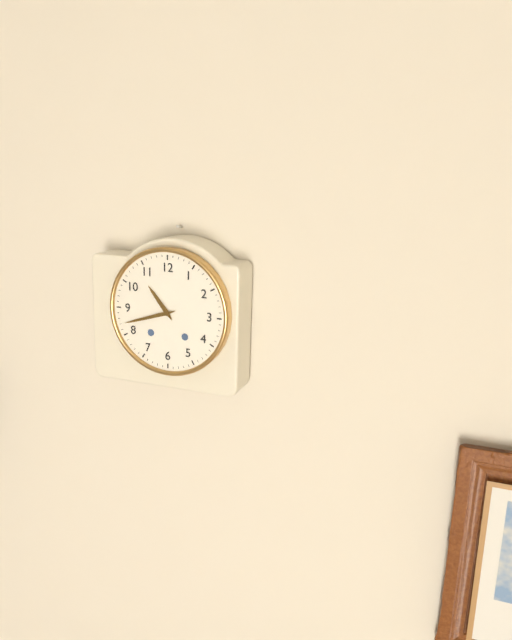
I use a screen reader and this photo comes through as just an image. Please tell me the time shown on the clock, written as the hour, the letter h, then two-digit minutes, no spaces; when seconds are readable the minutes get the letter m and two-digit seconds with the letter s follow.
10h42
